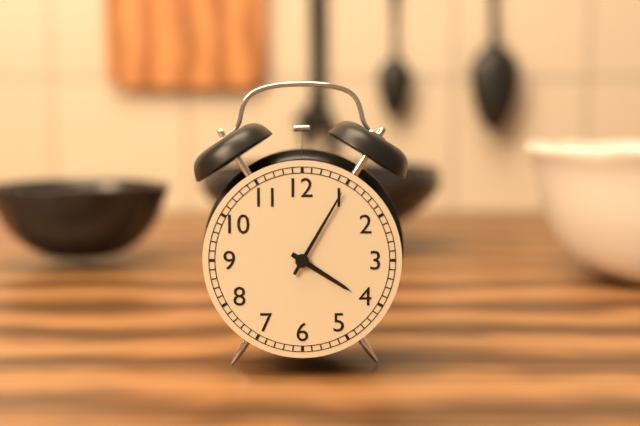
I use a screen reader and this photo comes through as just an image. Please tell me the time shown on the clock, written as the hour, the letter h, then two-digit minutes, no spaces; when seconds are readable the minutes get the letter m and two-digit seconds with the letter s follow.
4h05
